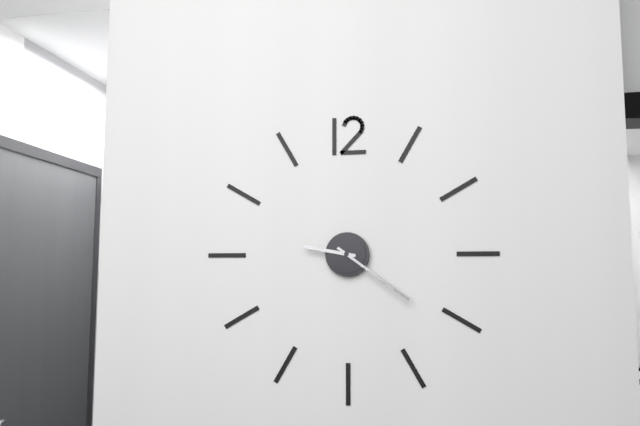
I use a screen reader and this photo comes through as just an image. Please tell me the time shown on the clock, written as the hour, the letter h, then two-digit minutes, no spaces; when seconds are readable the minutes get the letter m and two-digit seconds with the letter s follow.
9h21
